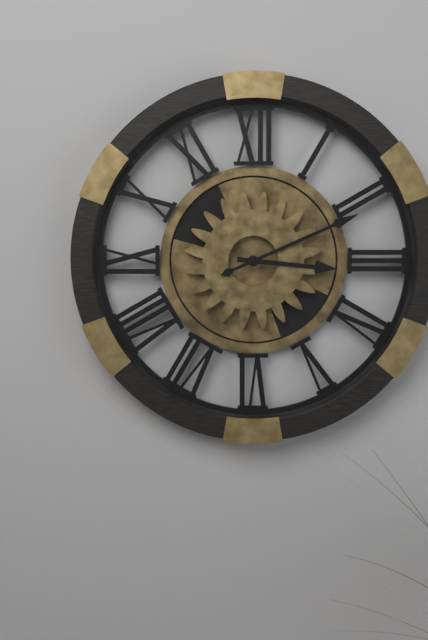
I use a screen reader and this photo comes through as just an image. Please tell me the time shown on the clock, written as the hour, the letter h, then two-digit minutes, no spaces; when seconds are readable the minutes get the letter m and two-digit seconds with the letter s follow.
3h11
